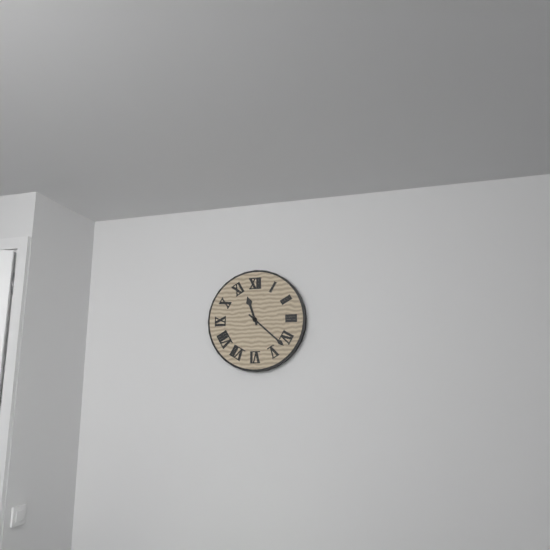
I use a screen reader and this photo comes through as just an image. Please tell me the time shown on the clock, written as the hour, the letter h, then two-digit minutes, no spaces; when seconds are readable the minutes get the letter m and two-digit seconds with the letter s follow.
11h22
